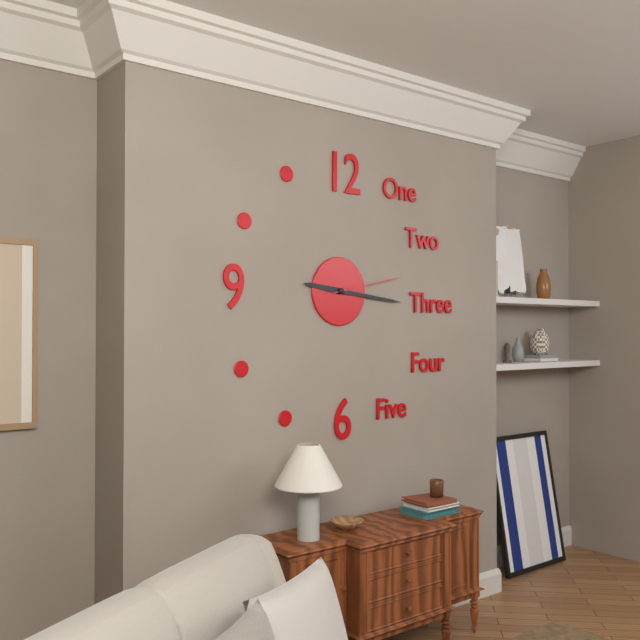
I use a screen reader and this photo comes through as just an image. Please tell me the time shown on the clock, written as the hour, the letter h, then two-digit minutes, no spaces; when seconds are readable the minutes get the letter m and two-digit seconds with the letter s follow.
9h16m13s
